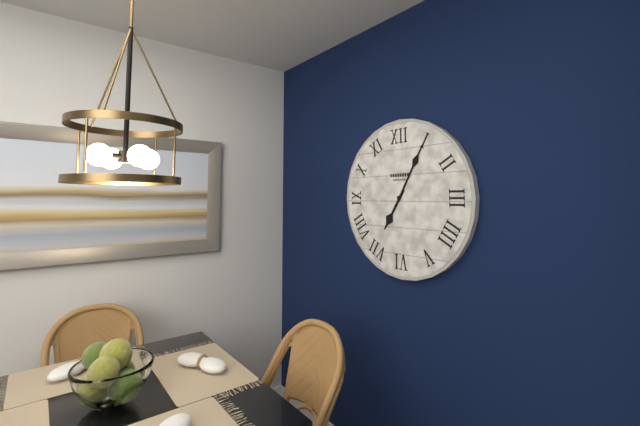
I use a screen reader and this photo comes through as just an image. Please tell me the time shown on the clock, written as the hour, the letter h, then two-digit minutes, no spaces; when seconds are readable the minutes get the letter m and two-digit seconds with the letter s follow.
7h05
